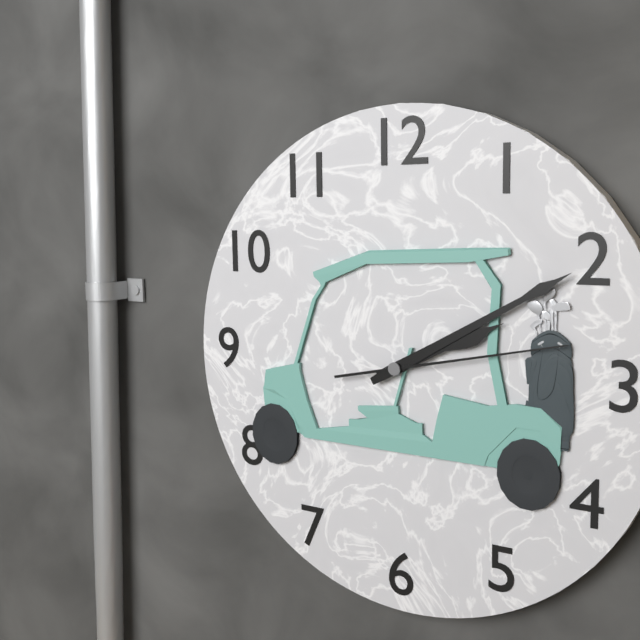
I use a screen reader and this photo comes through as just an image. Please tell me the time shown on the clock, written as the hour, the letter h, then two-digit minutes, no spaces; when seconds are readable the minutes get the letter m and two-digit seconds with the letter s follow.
2h10m13s
